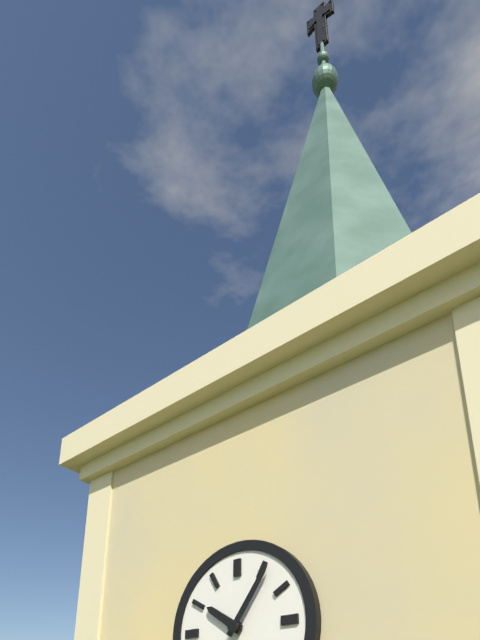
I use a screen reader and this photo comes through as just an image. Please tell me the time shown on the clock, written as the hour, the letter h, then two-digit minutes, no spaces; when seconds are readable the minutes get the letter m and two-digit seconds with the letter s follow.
10h06
